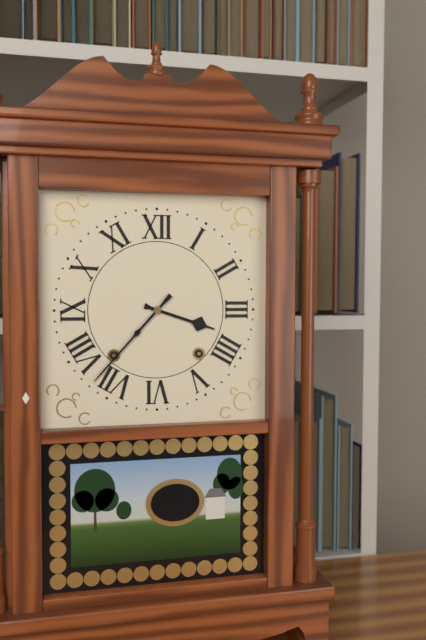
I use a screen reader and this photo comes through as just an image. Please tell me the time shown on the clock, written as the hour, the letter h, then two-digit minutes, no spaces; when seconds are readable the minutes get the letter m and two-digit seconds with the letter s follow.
3h37
